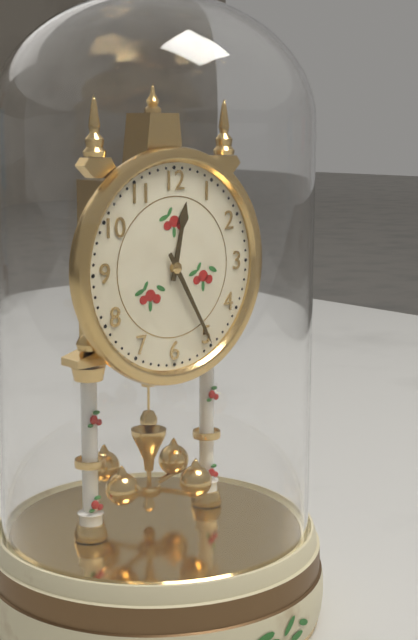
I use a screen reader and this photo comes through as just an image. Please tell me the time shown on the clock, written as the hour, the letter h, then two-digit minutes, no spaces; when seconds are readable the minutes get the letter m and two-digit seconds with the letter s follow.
12h25
